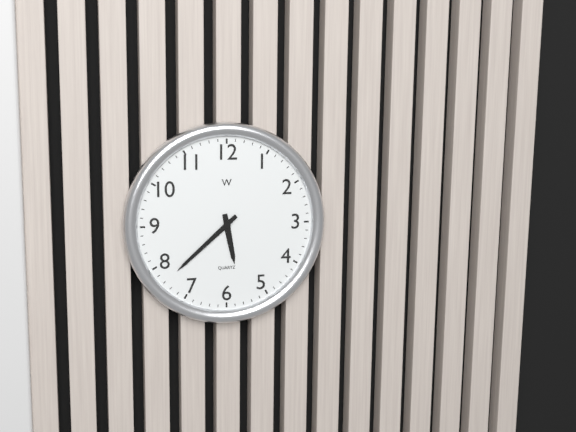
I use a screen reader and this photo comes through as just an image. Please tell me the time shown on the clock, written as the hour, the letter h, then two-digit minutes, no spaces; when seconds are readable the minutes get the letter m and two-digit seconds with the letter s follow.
5h38
